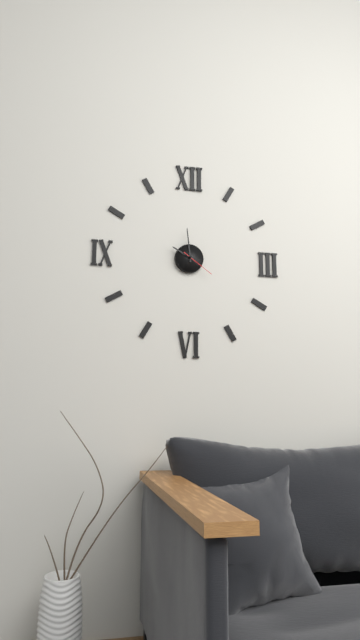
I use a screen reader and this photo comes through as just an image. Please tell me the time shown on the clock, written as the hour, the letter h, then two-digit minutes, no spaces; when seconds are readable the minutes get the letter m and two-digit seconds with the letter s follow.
9h59
